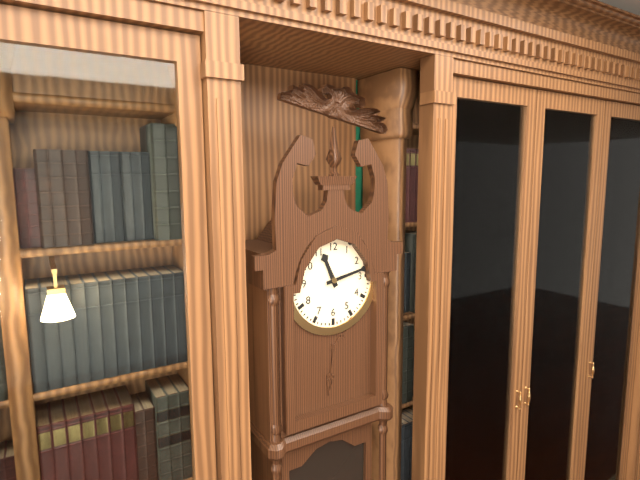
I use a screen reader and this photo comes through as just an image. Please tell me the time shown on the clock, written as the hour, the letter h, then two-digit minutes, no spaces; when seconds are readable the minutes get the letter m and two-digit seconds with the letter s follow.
11h13
